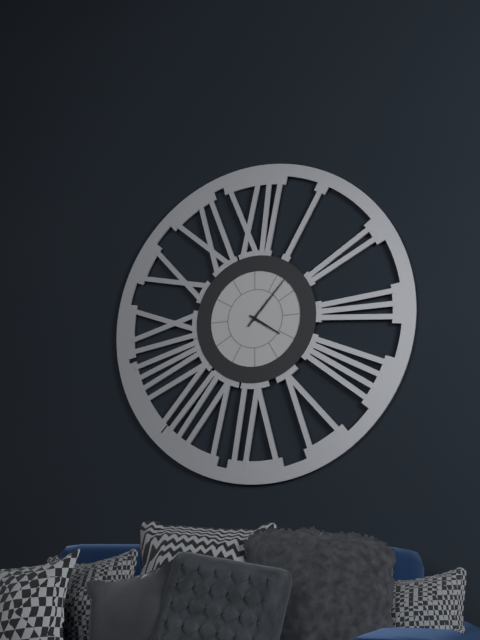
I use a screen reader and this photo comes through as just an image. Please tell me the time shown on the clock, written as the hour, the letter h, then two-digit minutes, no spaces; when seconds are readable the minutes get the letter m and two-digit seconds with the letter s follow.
4h07
